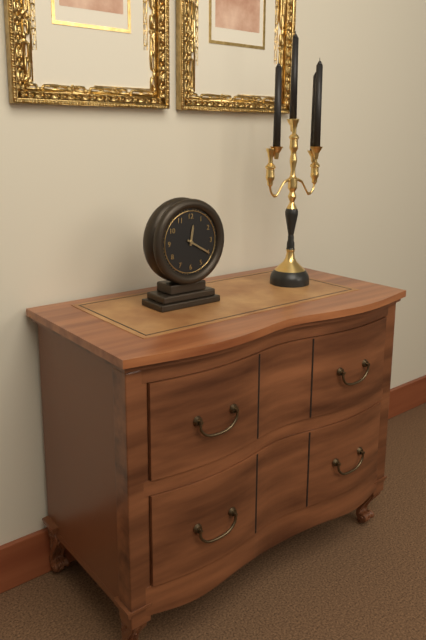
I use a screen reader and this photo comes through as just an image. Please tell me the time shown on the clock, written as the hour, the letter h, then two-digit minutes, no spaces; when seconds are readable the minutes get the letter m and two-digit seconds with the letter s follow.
12h20
